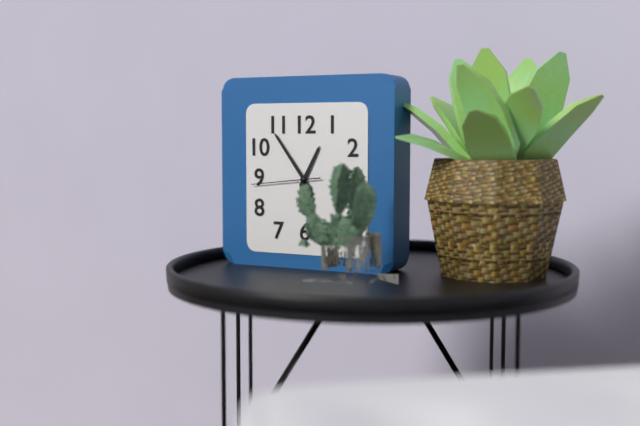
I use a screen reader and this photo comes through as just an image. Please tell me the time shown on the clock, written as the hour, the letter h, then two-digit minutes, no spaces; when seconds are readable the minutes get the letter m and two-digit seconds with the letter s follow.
12h54m44s
